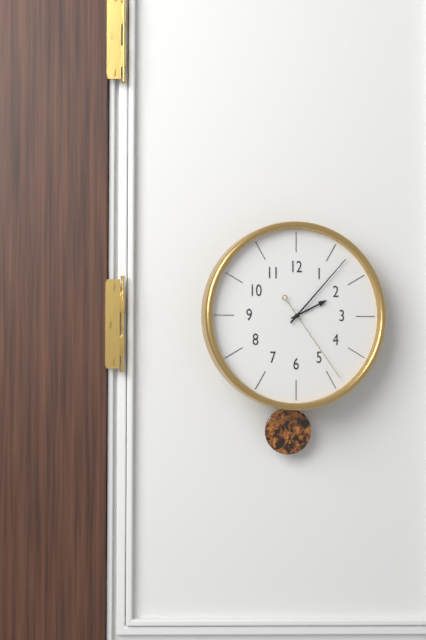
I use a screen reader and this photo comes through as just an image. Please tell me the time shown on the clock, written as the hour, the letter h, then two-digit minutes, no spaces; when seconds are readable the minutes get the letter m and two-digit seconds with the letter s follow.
2h07m24s
